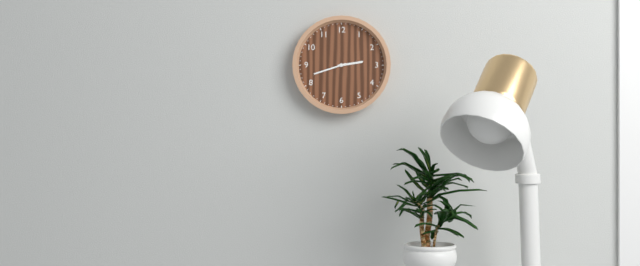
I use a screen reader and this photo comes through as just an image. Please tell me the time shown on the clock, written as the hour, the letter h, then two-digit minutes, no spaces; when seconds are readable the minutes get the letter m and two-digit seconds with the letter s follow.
2h42
